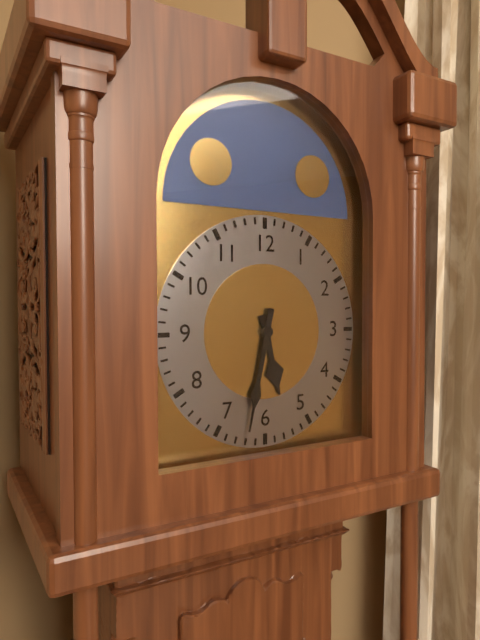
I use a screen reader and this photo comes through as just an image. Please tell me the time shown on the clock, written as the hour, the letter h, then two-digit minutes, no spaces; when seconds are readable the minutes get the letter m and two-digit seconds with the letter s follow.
5h32
